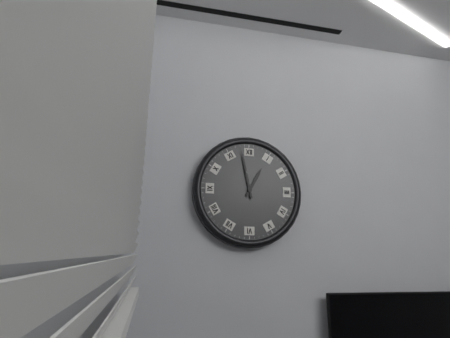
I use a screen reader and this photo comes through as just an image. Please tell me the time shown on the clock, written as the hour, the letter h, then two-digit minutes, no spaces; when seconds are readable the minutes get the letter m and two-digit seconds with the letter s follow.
12h58
